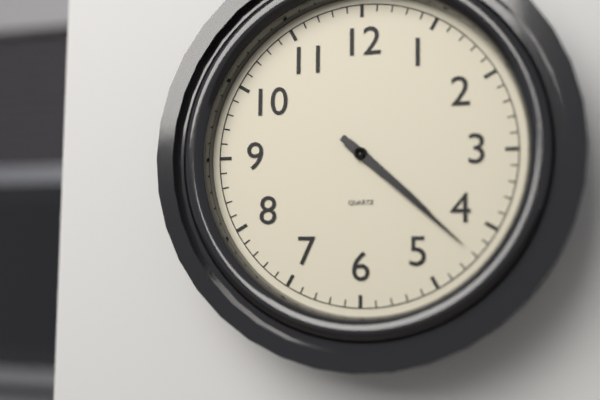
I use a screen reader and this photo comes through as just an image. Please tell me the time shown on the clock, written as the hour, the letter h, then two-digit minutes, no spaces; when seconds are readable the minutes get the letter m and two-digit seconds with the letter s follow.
4h22
